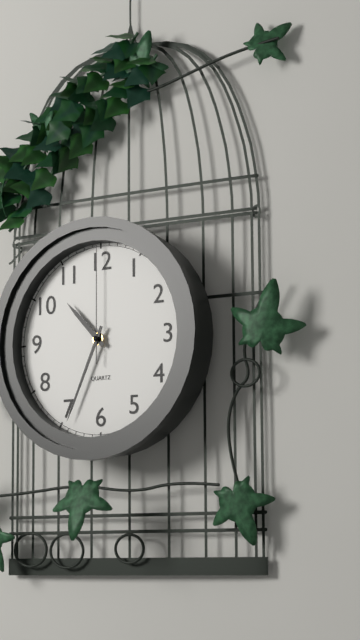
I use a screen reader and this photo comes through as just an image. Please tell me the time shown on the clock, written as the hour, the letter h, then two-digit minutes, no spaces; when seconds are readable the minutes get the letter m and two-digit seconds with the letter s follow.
10h34m00s
